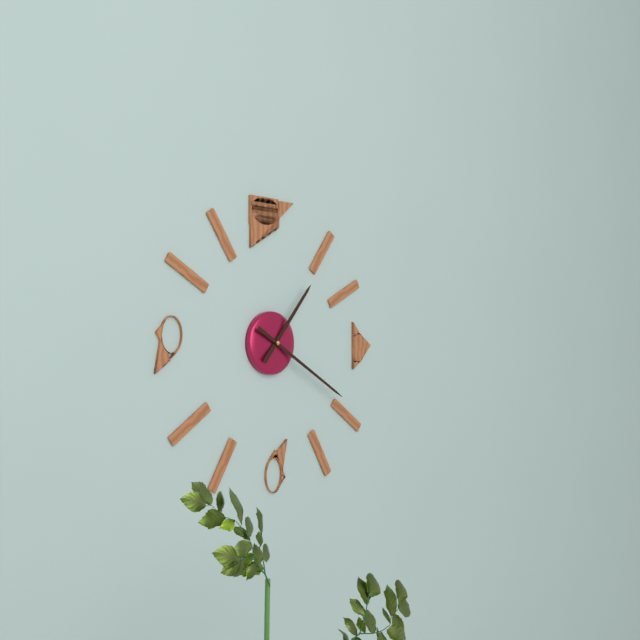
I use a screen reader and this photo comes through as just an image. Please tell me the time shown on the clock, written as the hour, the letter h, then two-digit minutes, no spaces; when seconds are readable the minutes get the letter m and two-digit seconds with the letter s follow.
1h20
